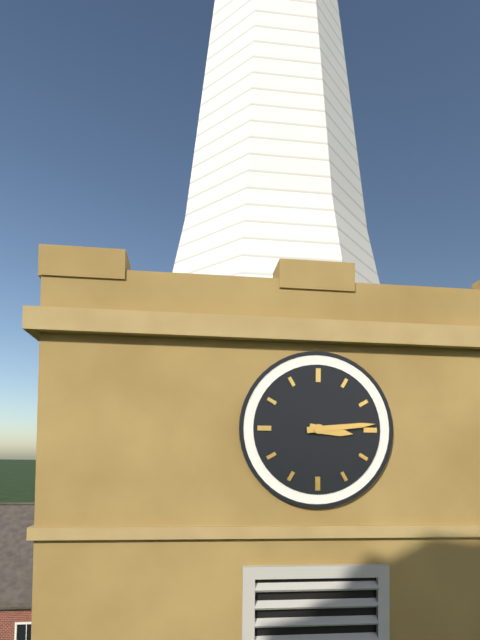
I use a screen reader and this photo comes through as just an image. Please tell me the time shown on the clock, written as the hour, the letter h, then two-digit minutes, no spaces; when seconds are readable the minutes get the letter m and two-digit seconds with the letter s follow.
3h14
